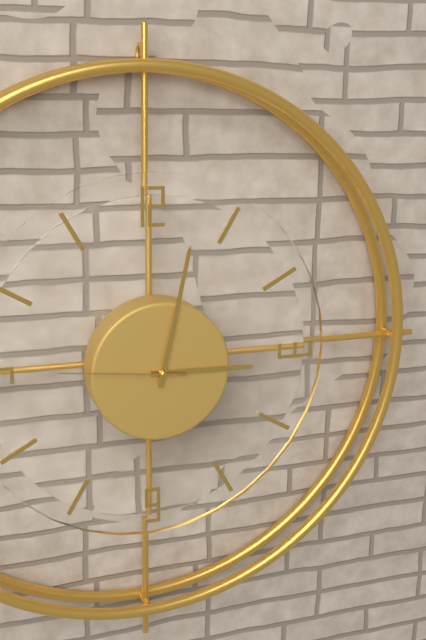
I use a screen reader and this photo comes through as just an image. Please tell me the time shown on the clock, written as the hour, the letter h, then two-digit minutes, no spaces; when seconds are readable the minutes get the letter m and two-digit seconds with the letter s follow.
3h02m46s
